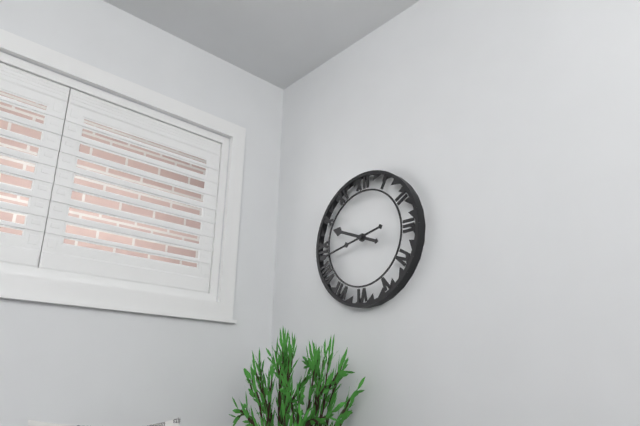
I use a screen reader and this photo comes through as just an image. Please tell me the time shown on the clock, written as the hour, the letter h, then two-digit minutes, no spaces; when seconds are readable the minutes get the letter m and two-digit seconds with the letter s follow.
9h43
